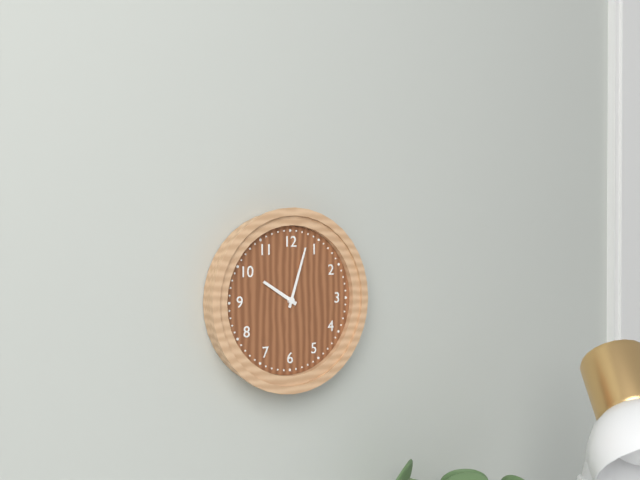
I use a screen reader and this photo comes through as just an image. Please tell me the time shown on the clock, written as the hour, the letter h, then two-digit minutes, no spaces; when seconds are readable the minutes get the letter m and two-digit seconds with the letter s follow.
10h03
